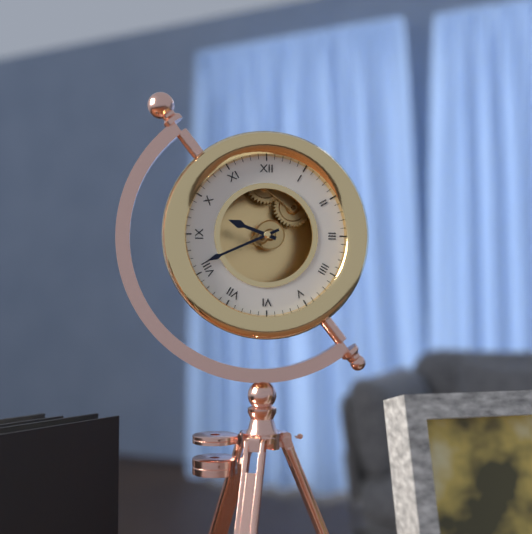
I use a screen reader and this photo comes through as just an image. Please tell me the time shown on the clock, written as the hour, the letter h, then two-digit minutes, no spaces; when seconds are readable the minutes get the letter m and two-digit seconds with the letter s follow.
9h41
